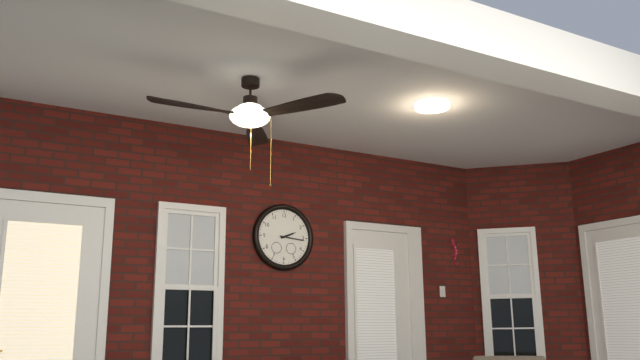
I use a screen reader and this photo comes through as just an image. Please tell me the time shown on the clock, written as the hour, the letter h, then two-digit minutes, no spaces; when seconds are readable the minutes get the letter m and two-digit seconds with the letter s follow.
2h16
